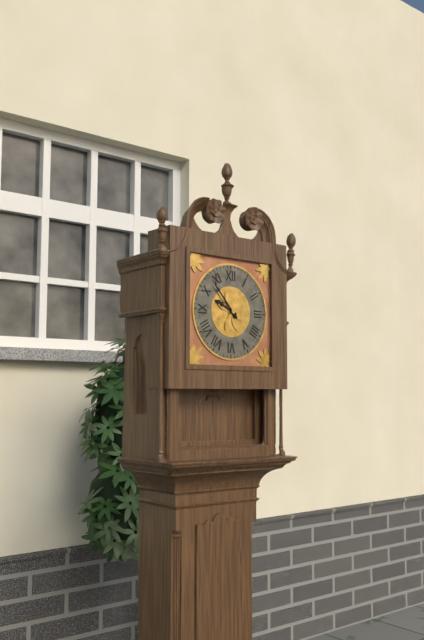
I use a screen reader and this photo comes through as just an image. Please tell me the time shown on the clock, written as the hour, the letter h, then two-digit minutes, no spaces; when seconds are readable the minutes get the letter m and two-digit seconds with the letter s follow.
9h53
